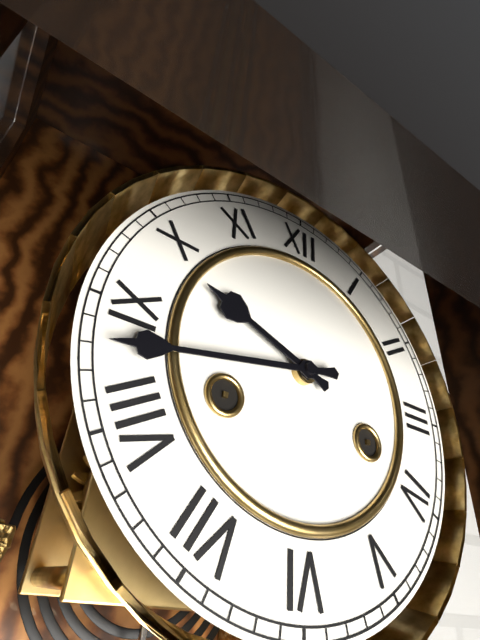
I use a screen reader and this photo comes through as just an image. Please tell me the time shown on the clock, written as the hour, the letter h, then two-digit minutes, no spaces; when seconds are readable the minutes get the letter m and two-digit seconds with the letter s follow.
9h43
